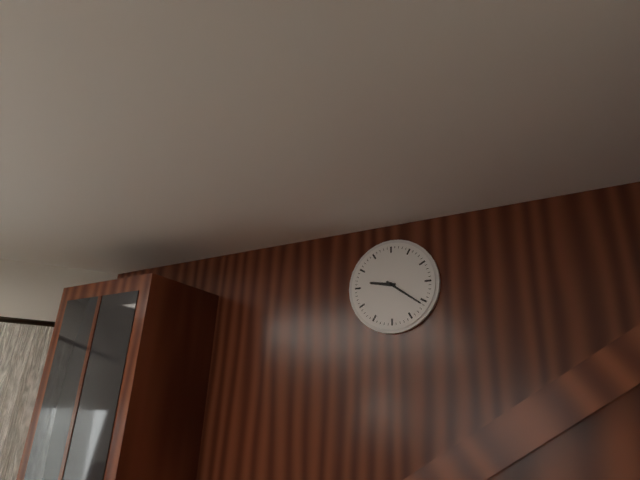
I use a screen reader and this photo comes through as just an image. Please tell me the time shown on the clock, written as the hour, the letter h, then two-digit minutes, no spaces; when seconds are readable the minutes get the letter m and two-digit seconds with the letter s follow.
9h21
